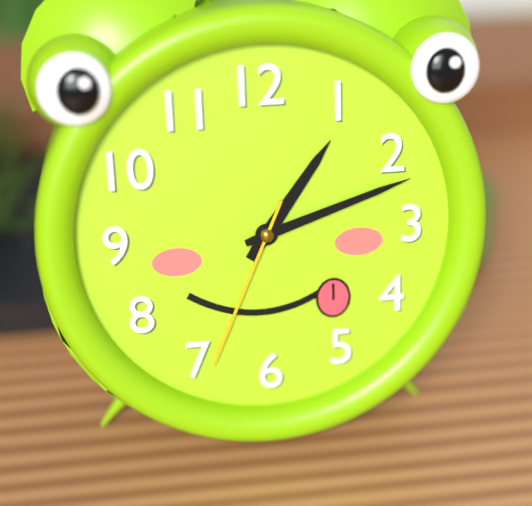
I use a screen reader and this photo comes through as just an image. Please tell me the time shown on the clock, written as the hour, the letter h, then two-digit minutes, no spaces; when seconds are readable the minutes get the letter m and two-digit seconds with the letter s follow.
1h12m34s
